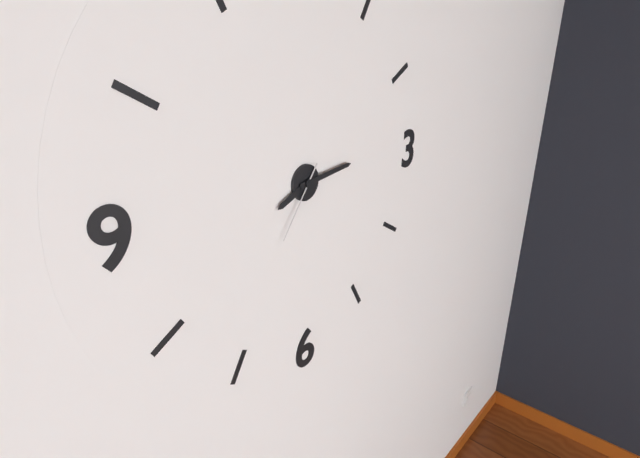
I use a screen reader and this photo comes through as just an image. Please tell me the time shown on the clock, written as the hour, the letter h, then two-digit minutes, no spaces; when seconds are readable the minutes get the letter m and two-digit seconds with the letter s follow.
8h14m36s
